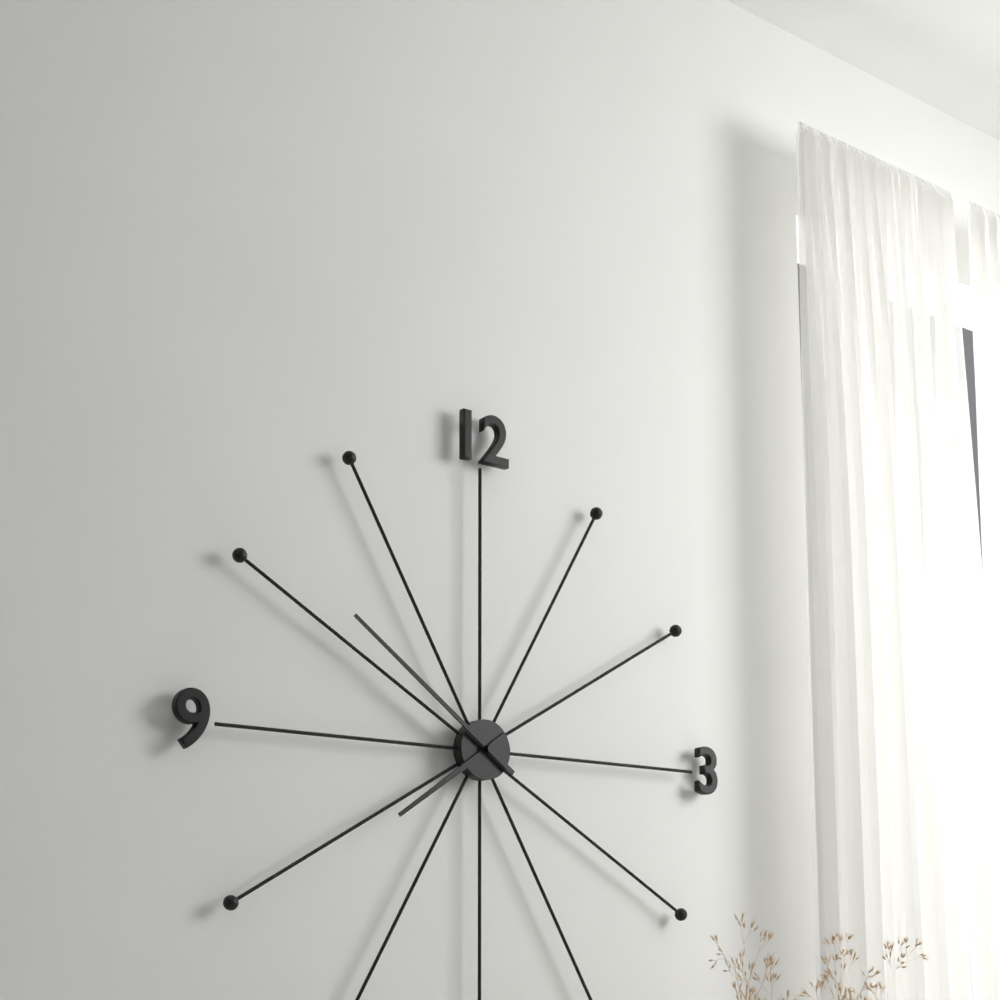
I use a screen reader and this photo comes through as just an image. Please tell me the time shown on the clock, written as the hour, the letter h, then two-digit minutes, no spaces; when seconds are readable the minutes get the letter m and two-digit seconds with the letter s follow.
7h51
